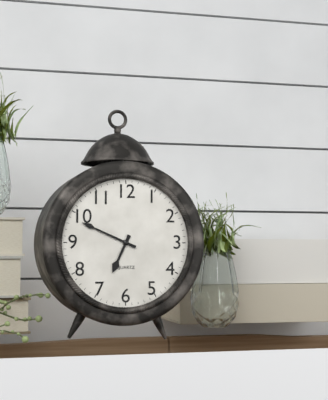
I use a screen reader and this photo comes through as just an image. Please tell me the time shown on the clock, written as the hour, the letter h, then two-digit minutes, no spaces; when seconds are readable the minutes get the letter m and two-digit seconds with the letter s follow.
6h49
